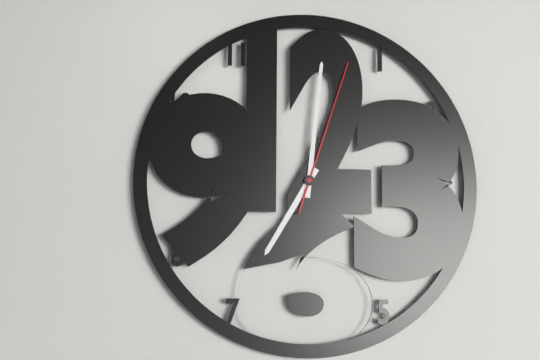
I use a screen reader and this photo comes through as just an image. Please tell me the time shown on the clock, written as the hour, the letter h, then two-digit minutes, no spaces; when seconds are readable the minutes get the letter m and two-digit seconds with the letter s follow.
7h01m03s
